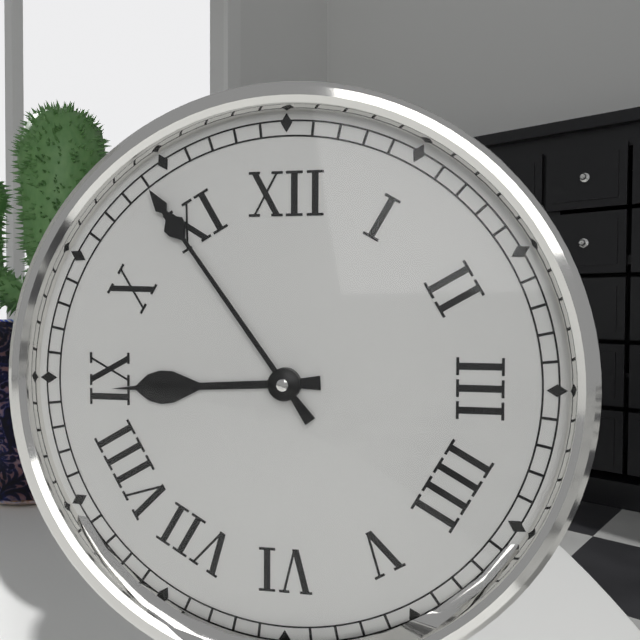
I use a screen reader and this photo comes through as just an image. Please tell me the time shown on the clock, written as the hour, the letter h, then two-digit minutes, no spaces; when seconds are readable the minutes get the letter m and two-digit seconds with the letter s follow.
8h54
